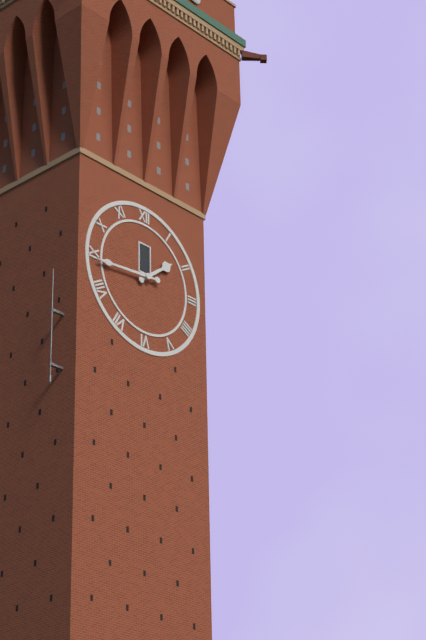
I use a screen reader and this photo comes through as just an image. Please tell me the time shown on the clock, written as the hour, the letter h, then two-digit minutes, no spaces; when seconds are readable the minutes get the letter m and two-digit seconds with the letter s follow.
1h44
